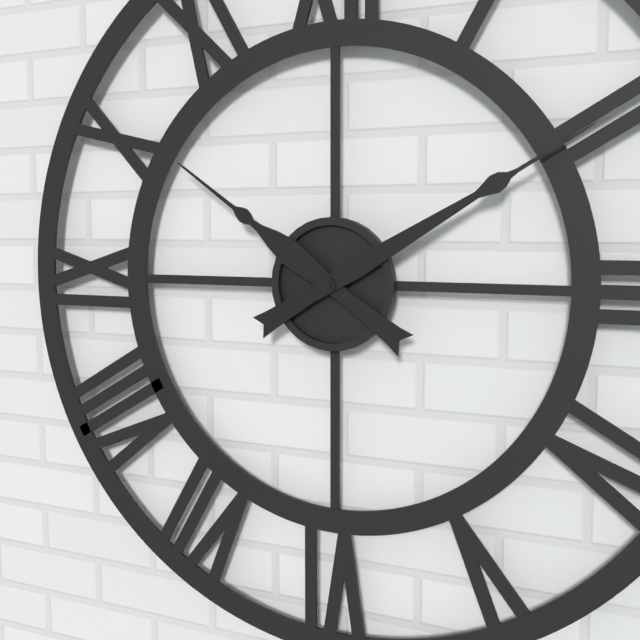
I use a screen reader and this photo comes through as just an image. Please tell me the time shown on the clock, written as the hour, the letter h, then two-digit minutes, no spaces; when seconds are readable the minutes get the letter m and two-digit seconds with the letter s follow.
10h10
